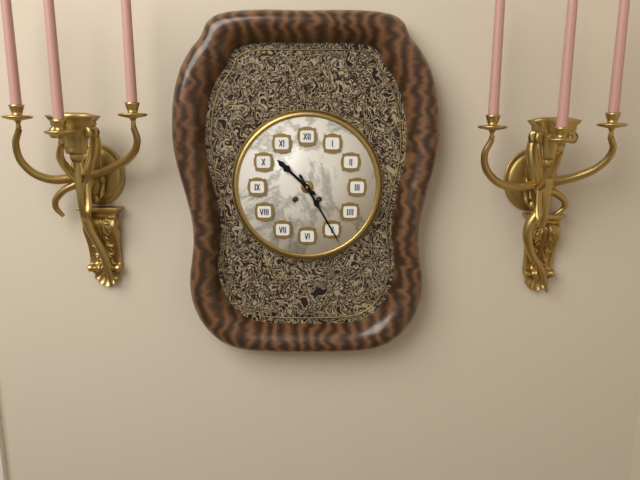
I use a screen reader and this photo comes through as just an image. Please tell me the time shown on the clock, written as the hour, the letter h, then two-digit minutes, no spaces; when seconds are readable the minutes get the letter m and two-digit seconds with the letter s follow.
10h25
